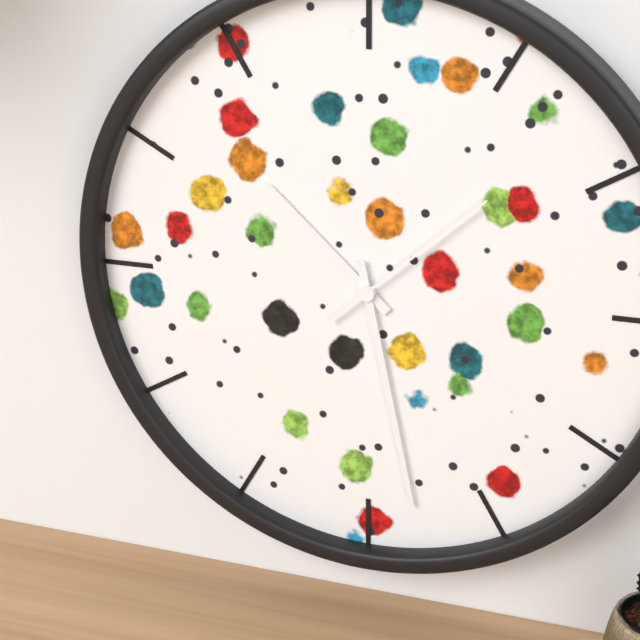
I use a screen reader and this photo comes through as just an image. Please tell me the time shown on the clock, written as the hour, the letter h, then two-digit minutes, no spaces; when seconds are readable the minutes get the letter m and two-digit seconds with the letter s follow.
10h28m08s
